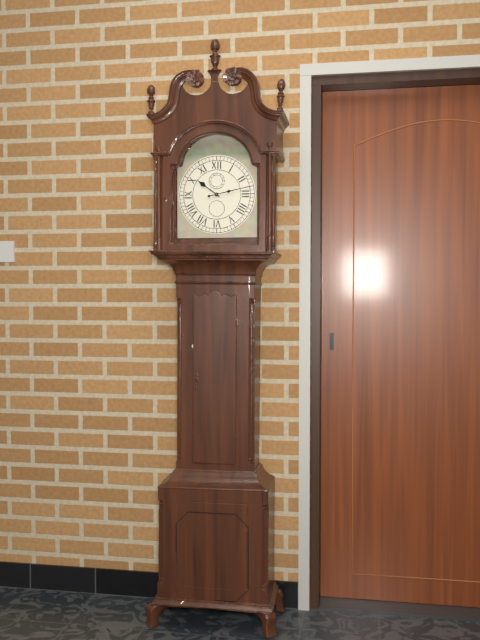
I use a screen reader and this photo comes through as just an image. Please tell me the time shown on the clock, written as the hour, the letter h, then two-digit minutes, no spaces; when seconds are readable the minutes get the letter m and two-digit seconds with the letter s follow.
10h13
